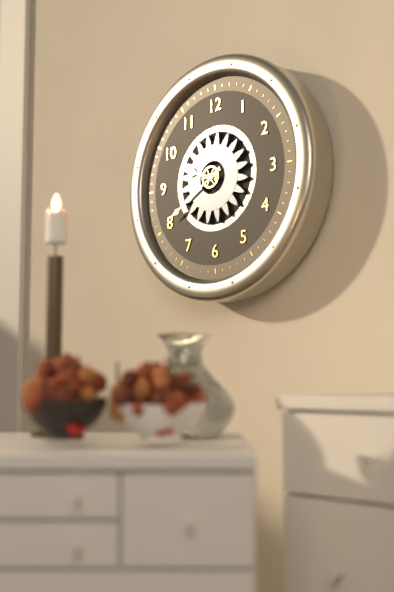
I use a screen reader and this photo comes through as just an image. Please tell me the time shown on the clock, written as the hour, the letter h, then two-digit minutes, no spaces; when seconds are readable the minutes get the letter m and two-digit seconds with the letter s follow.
9h40
